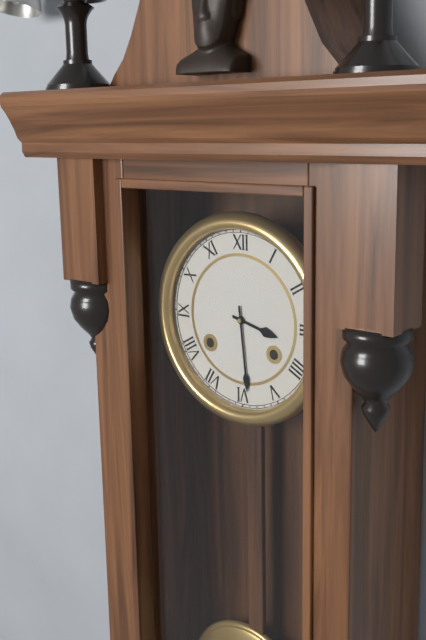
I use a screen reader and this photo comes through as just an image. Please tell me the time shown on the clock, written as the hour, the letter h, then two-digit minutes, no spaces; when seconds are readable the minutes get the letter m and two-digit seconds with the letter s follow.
3h29
